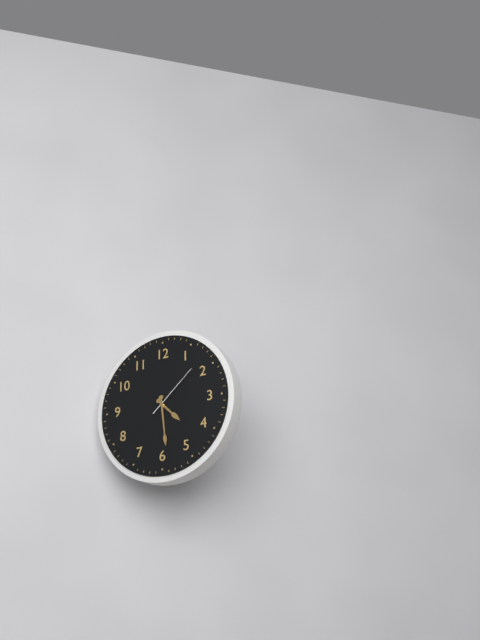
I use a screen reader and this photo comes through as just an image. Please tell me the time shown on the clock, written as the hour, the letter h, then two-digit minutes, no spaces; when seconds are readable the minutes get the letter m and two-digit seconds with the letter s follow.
4h29m08s
